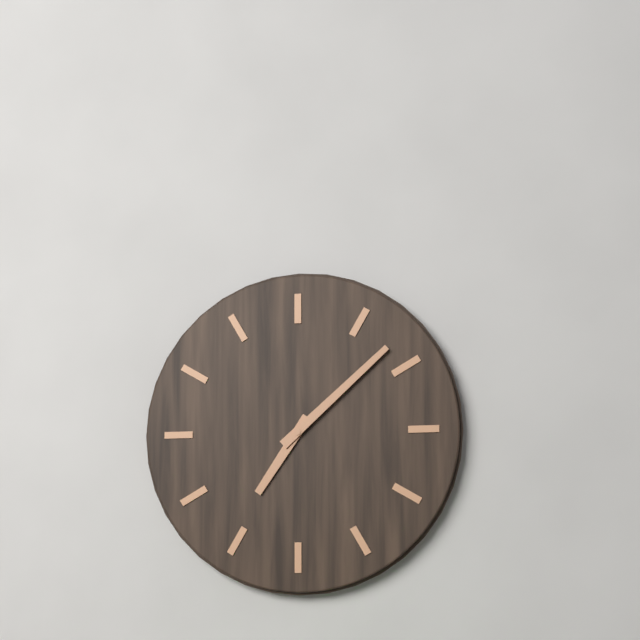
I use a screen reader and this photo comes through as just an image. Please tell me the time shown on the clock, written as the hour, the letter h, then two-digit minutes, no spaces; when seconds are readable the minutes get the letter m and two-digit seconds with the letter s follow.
7h08
